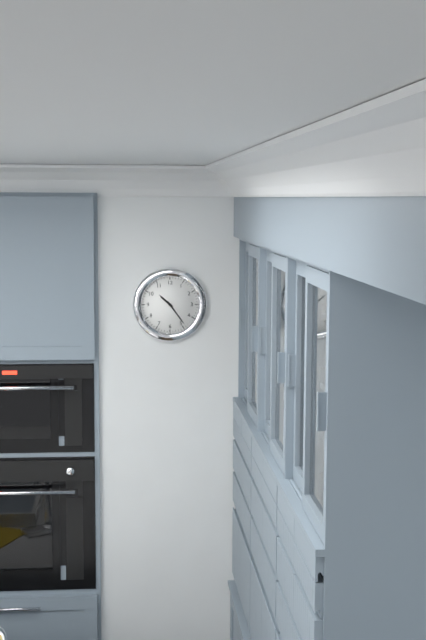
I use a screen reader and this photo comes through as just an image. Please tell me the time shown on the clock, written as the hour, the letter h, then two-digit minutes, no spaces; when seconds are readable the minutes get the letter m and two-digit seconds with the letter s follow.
10h24
